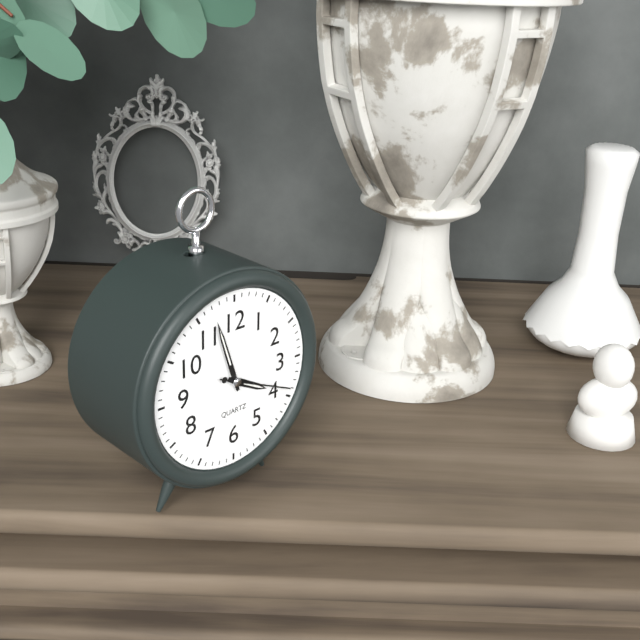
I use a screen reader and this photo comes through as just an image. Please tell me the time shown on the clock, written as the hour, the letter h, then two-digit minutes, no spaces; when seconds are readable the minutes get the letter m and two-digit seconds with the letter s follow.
3h57m19s
